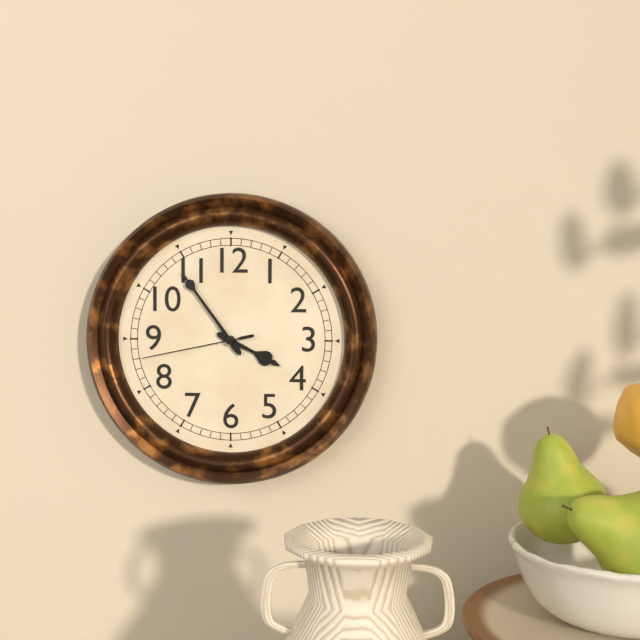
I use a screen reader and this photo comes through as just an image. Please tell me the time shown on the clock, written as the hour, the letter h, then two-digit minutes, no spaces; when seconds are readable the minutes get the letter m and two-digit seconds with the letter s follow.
3h54m43s
